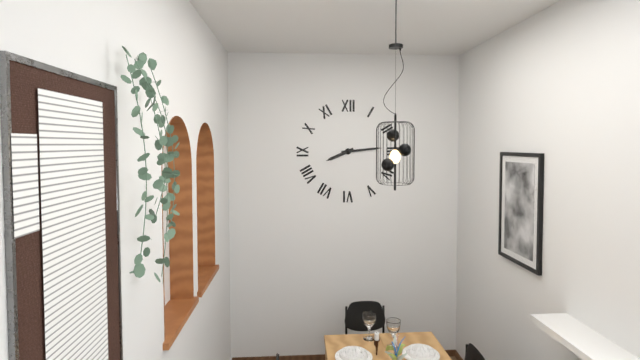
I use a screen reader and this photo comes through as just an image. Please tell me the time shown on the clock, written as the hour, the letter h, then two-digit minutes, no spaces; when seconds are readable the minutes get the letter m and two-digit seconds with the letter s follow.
8h14
